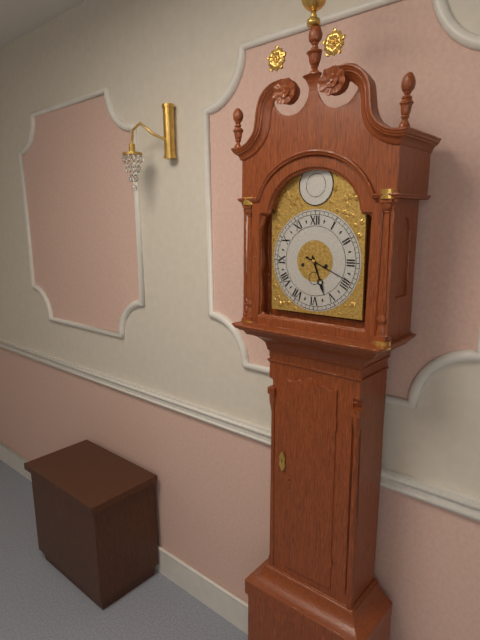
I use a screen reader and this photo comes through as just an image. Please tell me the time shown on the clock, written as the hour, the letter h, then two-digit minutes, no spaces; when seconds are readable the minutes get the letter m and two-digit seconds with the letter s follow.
5h19
